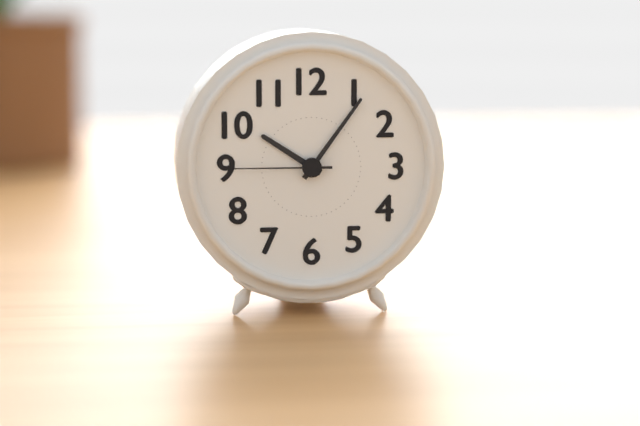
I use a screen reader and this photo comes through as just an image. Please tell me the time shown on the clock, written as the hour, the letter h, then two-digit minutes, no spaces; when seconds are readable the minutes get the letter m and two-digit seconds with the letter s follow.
10h06m45s
